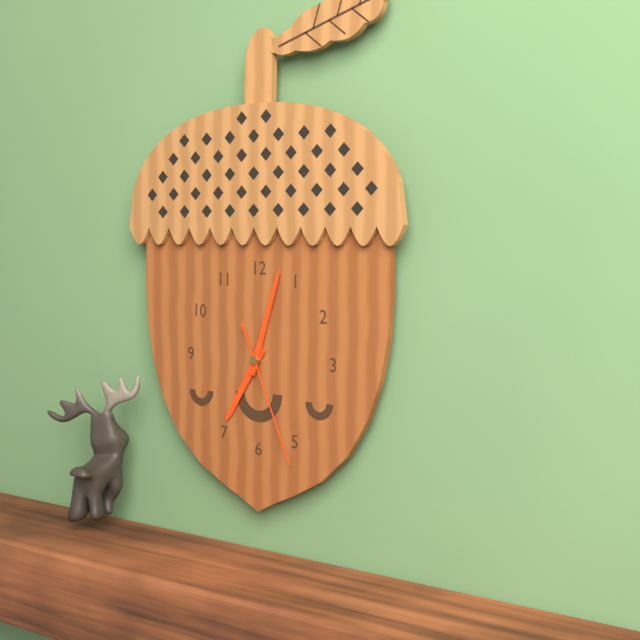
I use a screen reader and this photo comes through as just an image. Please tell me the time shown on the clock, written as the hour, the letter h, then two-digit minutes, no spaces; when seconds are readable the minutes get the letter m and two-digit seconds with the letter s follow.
7h03m26s
